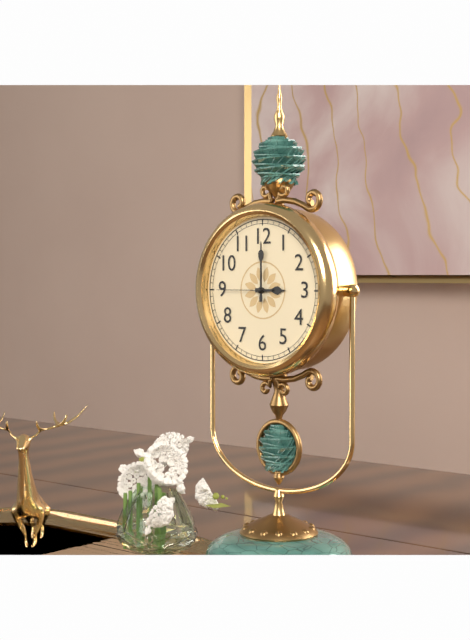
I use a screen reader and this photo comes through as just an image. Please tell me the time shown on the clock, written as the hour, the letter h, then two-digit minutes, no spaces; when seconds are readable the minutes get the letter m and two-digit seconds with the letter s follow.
3h00m45s
